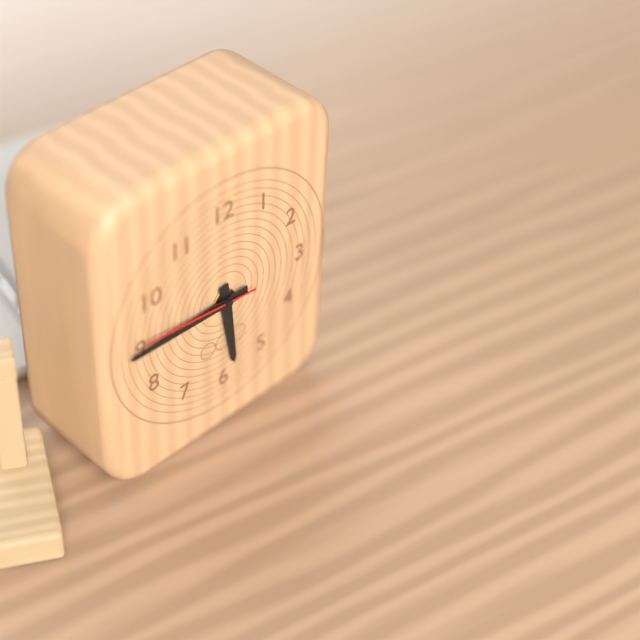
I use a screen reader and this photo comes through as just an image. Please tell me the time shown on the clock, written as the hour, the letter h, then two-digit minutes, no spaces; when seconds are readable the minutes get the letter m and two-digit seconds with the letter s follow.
5h45m46s
